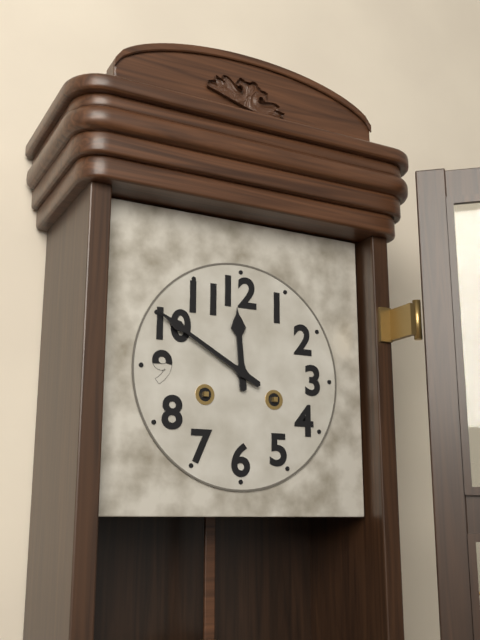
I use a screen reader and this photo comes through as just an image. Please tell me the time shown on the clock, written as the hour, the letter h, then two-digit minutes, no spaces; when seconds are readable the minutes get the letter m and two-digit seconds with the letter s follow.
11h50
